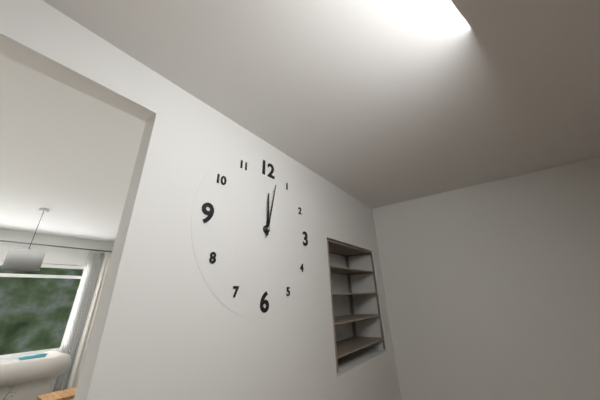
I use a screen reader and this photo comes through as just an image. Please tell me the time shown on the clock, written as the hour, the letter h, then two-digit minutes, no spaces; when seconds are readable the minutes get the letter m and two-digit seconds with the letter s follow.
12h02
